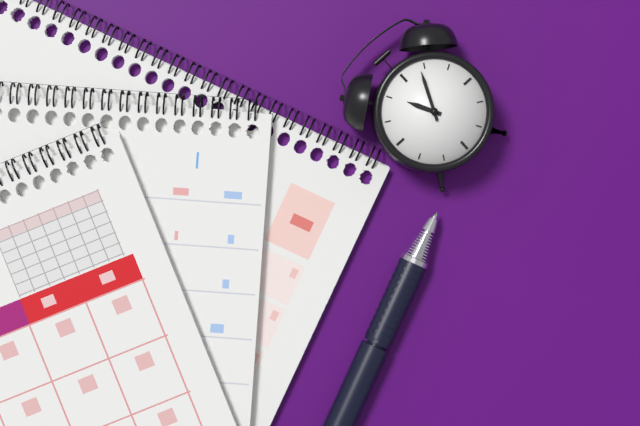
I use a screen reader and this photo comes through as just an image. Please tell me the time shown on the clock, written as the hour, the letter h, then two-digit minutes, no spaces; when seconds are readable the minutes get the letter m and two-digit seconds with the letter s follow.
11h04
